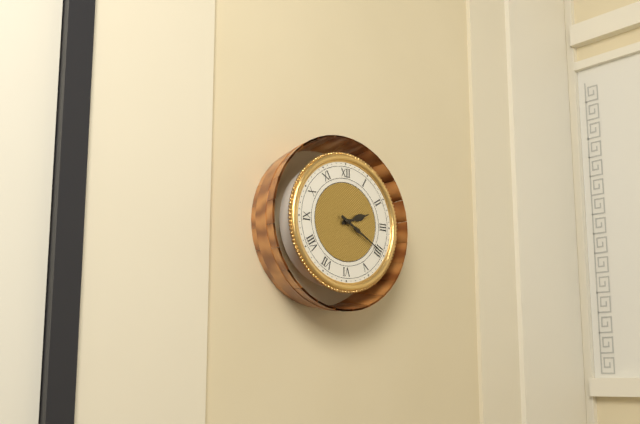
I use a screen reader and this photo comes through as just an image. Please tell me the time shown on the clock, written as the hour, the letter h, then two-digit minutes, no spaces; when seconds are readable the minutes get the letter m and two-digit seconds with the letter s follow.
2h20
